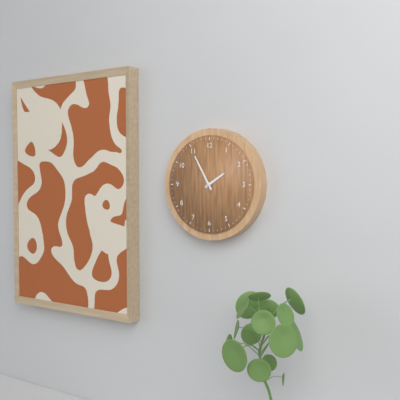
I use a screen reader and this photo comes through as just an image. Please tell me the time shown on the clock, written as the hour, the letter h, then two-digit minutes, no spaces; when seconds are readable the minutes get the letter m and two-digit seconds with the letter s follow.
1h55
